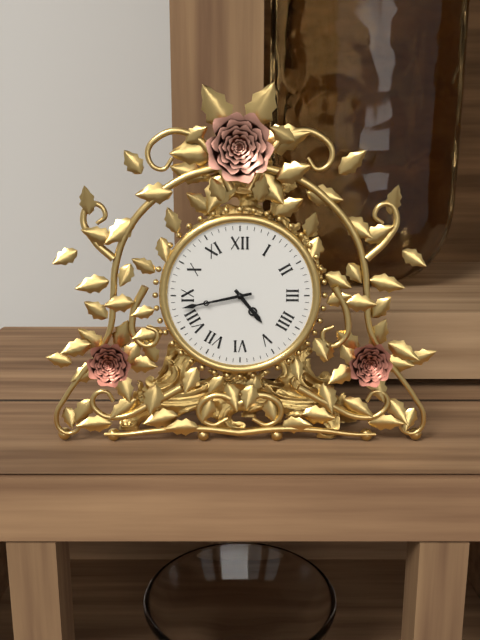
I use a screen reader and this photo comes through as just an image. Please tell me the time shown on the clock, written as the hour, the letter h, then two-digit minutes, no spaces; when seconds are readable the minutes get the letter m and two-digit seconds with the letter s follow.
4h43
